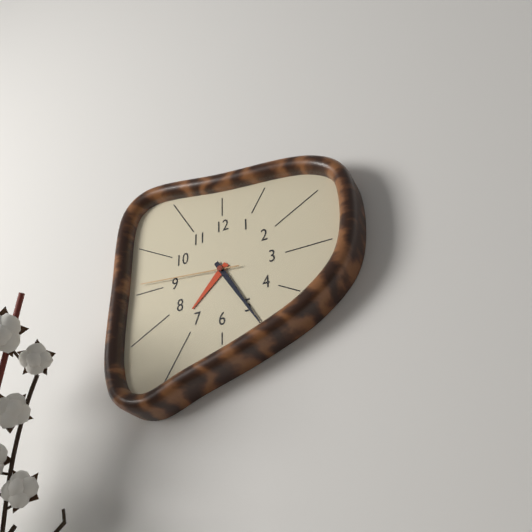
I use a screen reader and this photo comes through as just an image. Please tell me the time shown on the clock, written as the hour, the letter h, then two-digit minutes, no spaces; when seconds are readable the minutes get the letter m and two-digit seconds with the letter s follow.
7h25m46s
